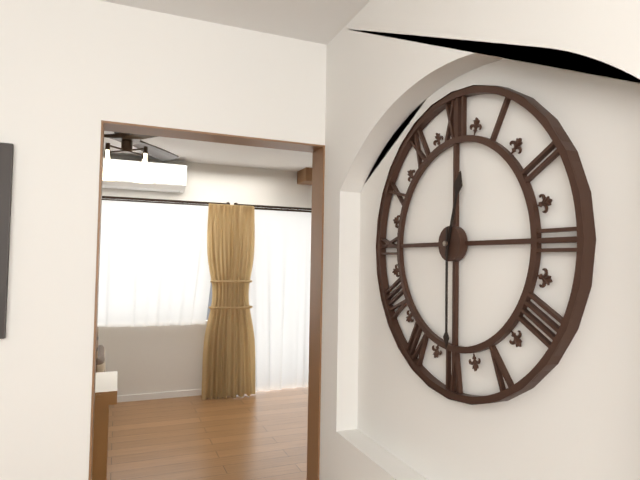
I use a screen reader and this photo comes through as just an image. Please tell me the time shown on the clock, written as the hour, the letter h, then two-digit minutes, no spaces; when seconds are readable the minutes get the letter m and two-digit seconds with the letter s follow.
12h30
